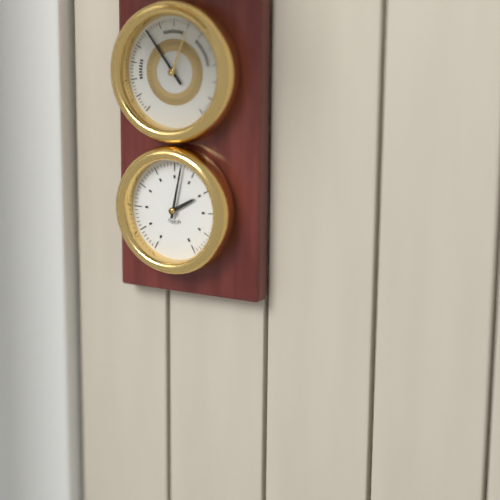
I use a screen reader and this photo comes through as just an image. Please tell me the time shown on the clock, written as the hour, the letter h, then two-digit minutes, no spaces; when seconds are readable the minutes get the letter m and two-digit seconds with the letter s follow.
2h02
